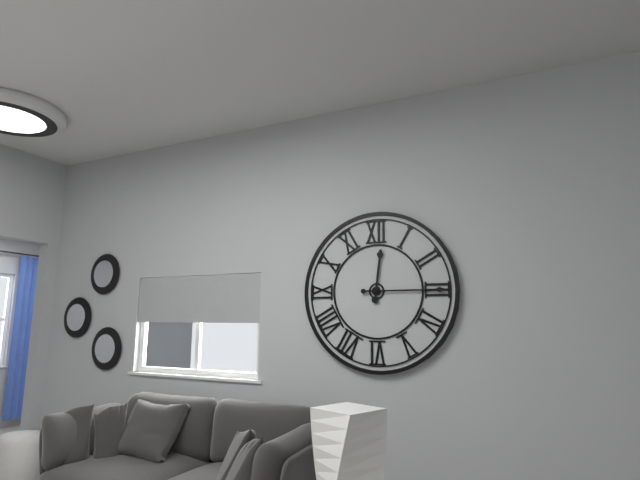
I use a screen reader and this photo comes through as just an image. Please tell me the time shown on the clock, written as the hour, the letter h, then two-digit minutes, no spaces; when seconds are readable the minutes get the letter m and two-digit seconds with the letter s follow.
12h15
